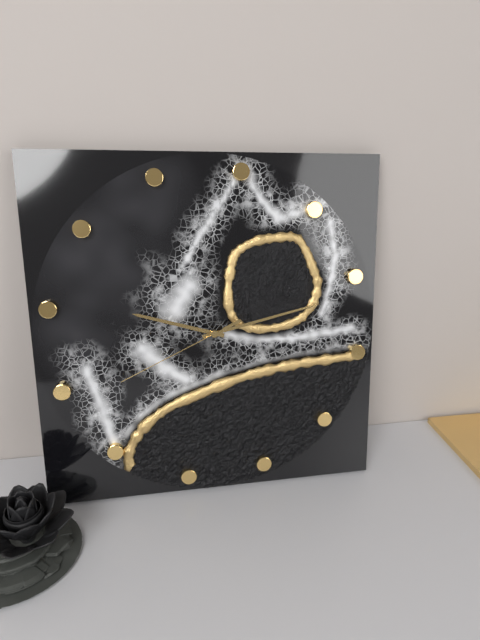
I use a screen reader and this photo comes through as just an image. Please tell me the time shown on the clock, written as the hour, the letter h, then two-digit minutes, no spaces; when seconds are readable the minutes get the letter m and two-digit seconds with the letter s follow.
9h11m39s
